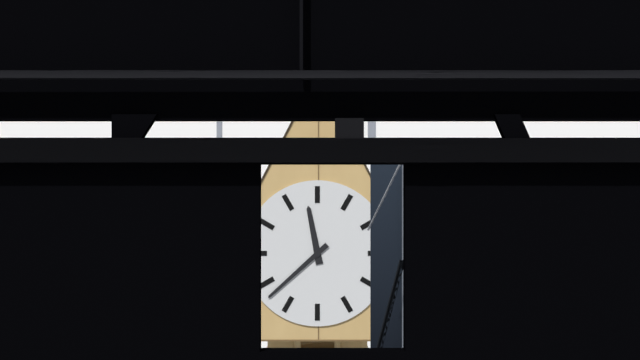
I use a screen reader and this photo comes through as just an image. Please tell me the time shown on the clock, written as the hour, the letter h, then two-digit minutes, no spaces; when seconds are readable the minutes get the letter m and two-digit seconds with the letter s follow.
11h38
